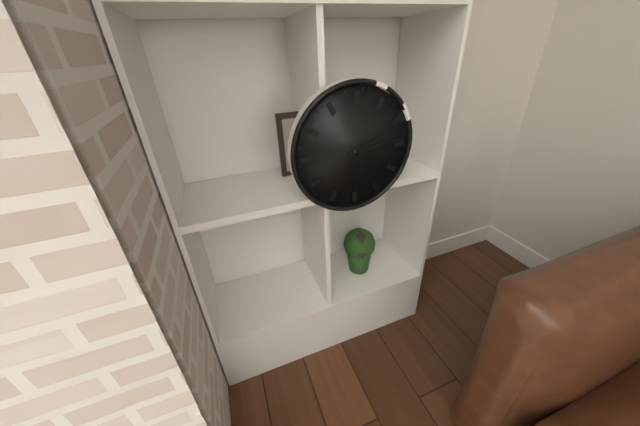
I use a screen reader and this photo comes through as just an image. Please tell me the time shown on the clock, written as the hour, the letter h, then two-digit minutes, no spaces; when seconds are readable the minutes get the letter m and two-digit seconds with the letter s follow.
2h14
